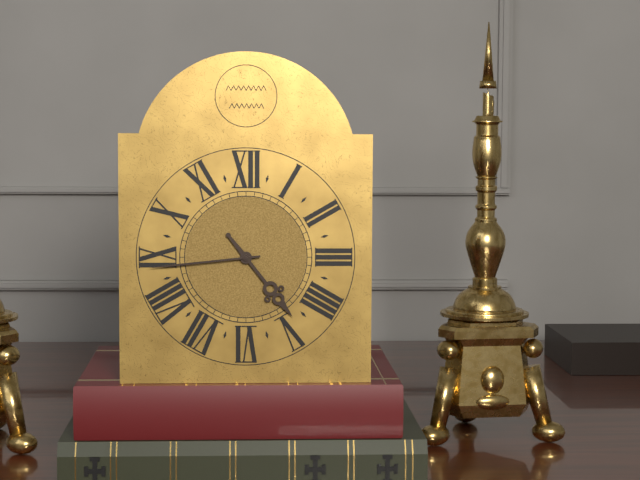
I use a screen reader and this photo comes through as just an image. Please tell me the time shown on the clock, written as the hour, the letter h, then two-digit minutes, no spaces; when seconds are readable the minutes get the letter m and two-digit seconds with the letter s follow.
4h44
